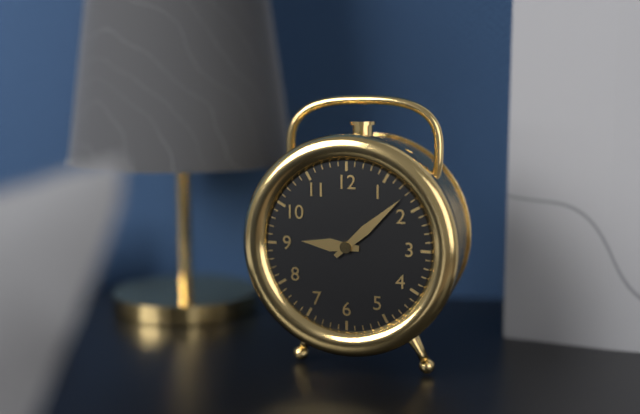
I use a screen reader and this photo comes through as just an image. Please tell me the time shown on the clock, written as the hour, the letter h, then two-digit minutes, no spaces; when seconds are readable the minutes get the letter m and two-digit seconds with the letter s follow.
9h08
